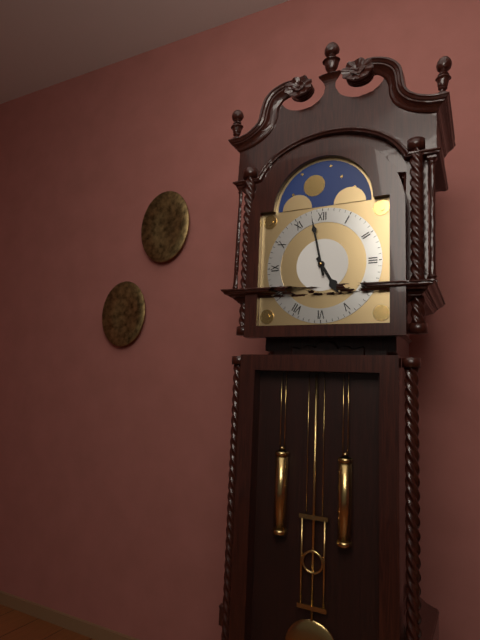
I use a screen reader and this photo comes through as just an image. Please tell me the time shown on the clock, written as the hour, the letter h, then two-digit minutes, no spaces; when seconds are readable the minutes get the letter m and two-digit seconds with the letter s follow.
4h58
